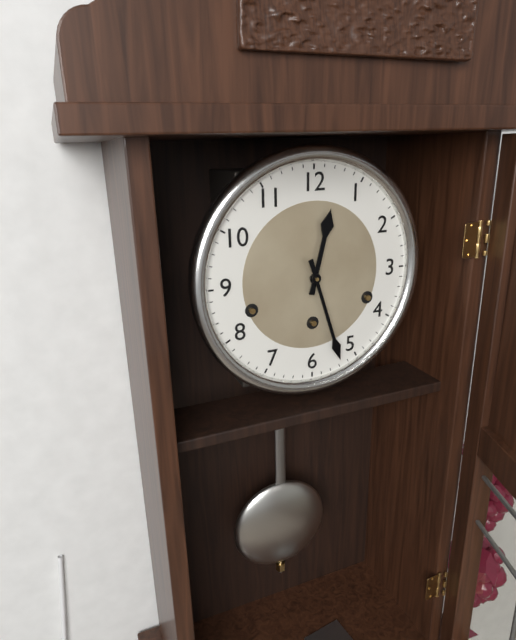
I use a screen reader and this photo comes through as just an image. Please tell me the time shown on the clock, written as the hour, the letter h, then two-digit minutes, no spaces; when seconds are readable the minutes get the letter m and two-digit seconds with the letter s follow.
12h27
